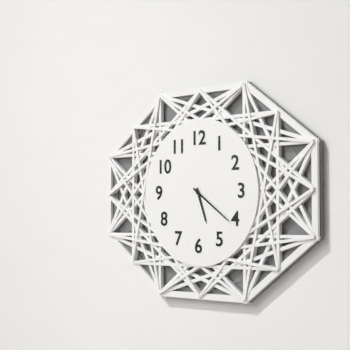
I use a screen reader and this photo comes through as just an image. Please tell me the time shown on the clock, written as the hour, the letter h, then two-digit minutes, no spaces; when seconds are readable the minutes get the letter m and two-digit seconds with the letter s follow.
5h21
